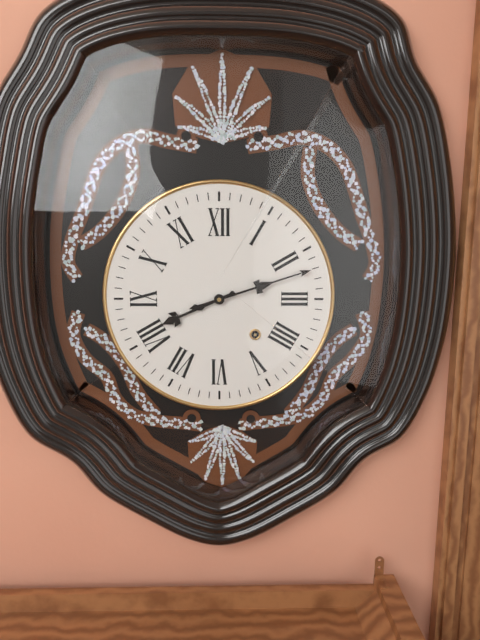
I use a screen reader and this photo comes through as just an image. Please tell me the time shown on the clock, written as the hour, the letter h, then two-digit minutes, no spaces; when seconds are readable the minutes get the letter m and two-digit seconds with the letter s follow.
8h12
